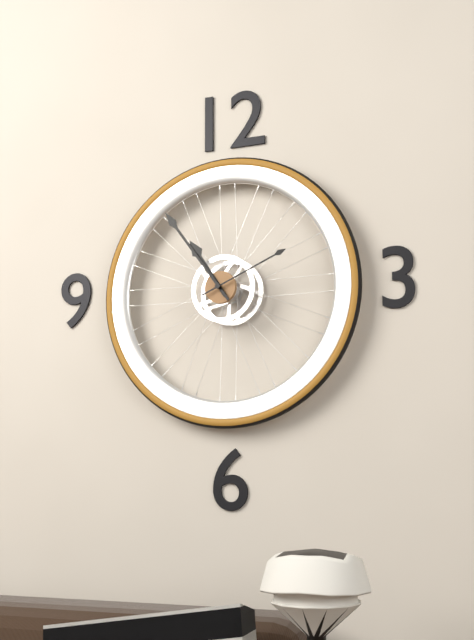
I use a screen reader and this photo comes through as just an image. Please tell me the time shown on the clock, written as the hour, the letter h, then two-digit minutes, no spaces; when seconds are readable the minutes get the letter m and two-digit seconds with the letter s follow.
10h54m11s
